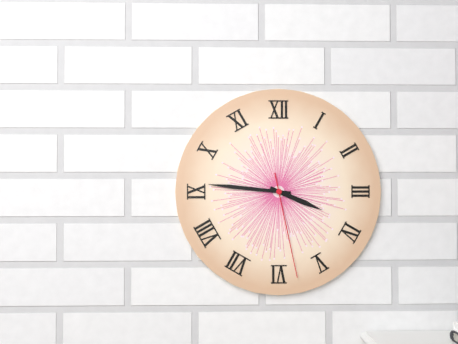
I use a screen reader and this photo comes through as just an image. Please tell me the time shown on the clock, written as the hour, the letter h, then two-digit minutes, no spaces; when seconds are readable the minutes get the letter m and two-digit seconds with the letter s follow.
3h46m28s
